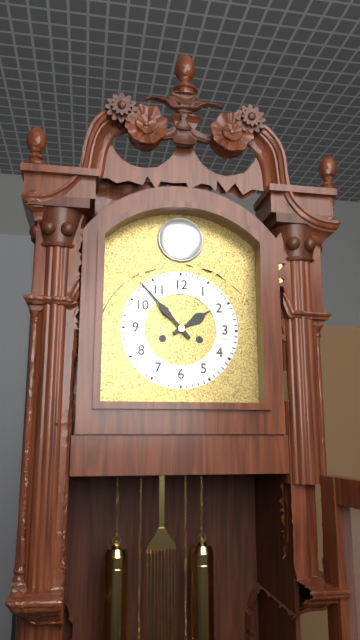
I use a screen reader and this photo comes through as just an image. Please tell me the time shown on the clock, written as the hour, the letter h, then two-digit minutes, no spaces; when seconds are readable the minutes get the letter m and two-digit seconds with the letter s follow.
1h53
